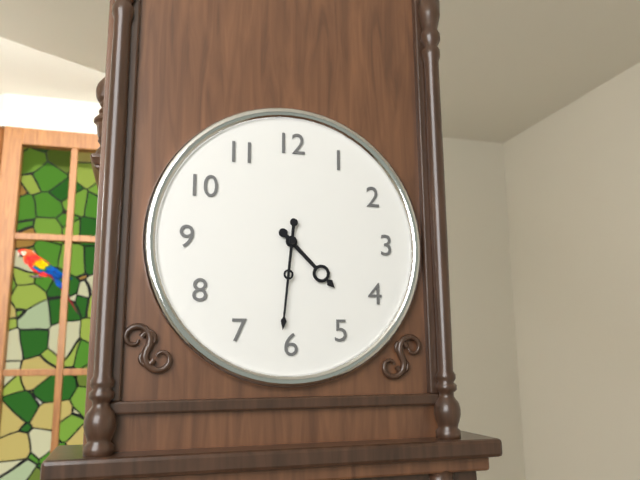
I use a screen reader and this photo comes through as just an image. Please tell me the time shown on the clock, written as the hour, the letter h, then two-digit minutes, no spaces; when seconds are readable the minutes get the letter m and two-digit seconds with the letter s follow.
4h31
